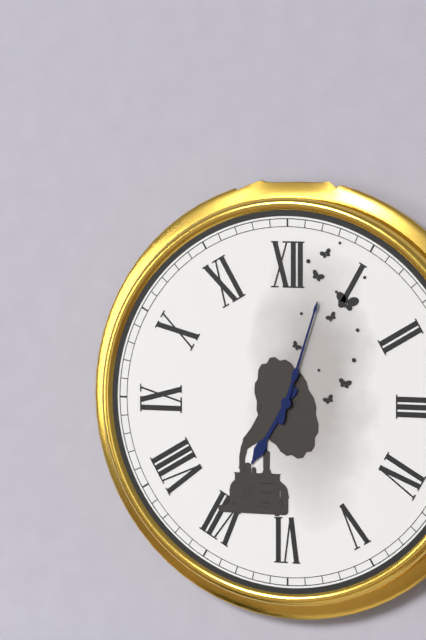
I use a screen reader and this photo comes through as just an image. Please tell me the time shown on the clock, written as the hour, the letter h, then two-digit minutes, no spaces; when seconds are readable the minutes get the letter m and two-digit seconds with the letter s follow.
7h03
